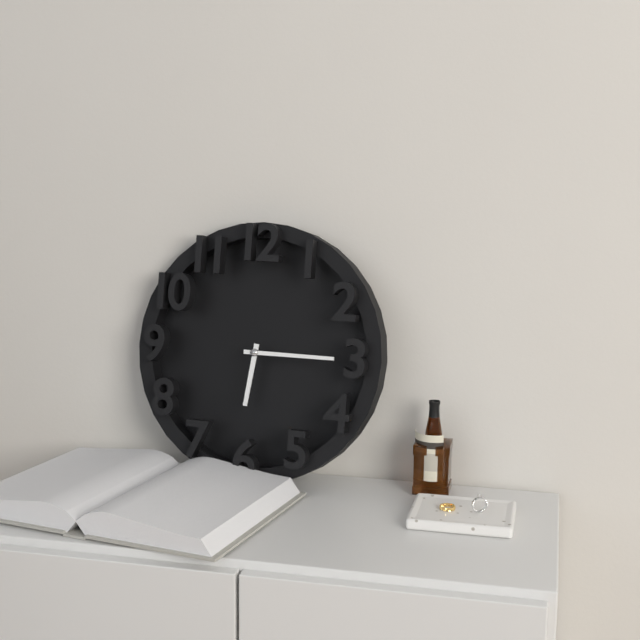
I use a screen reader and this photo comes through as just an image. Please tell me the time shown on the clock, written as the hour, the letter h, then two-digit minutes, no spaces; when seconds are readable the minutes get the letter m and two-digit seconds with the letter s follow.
6h15
